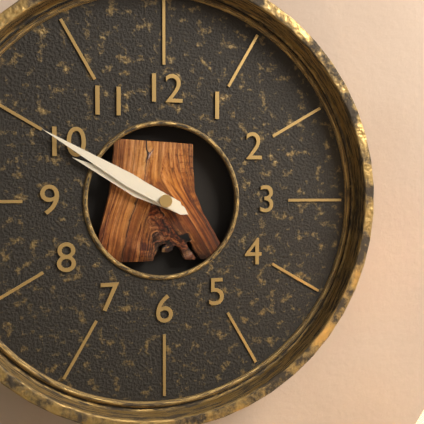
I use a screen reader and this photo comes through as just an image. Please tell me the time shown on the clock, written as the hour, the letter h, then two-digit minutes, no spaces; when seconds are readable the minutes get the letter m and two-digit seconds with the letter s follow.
9h50
